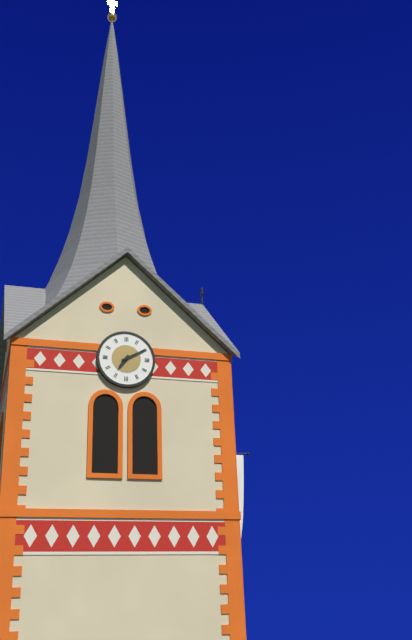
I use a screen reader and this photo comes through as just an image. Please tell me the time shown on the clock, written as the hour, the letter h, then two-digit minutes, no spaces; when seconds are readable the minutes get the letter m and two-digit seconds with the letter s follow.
7h10
